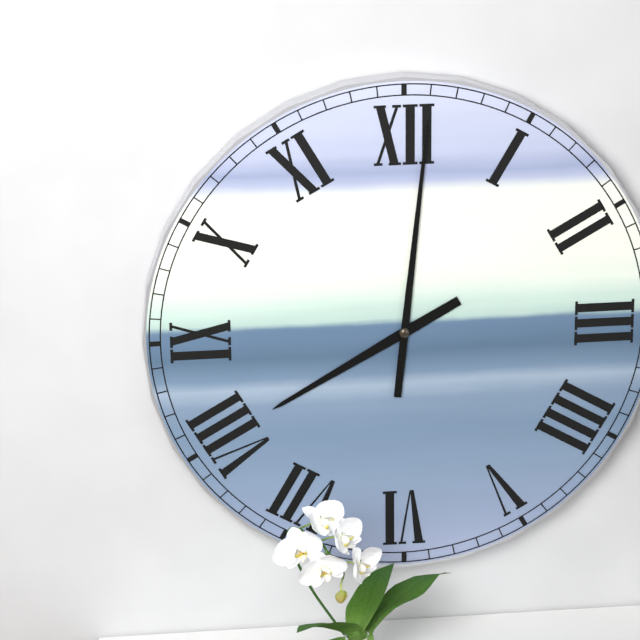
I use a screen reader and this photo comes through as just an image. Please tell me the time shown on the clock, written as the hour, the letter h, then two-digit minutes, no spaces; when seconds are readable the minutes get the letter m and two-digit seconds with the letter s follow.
8h01
